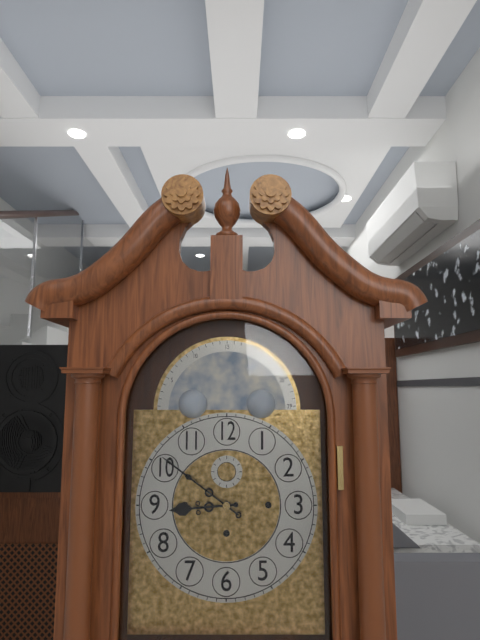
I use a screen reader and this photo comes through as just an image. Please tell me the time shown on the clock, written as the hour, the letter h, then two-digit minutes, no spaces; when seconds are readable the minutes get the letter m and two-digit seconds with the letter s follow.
8h51
